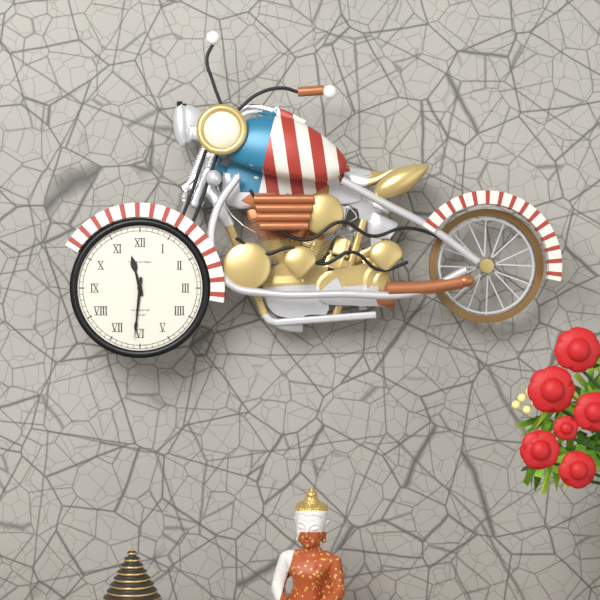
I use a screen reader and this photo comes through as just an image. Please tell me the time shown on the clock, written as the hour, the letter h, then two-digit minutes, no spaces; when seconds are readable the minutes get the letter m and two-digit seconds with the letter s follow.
11h31
